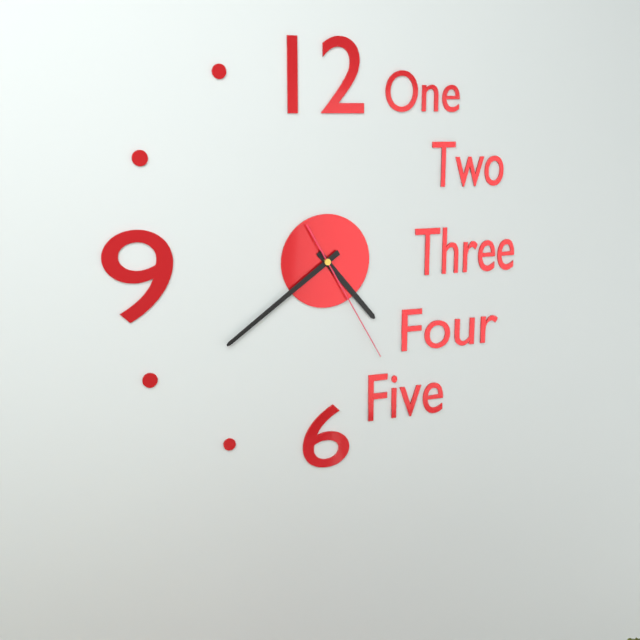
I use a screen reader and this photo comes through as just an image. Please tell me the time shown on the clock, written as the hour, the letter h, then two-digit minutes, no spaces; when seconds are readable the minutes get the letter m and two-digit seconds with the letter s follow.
4h39m25s
